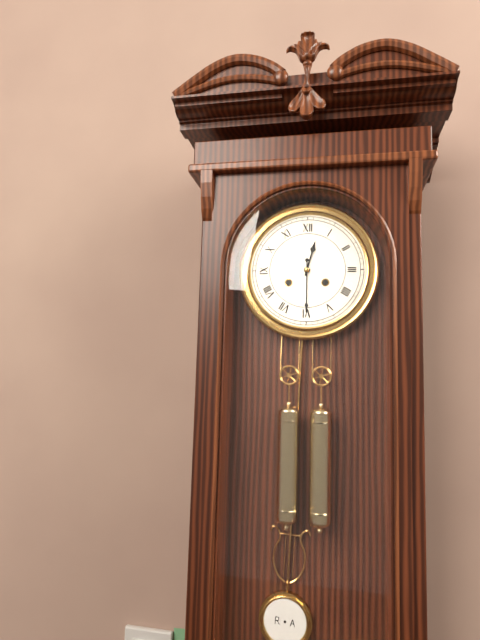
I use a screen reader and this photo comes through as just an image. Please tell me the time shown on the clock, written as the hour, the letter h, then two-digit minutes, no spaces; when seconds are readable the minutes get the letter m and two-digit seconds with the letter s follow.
12h30
